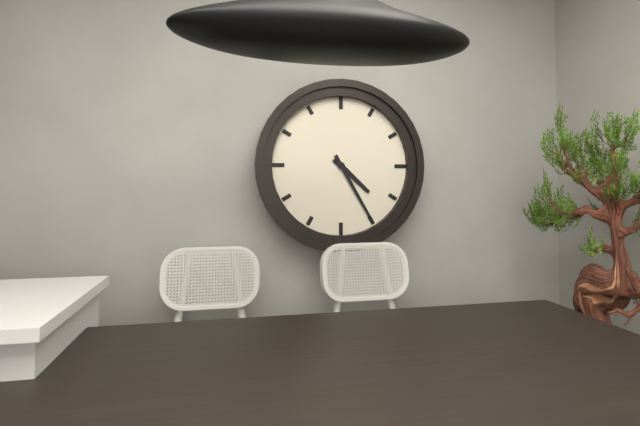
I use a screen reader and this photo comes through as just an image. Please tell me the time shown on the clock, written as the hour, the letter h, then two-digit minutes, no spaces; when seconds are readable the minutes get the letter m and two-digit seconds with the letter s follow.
4h25
